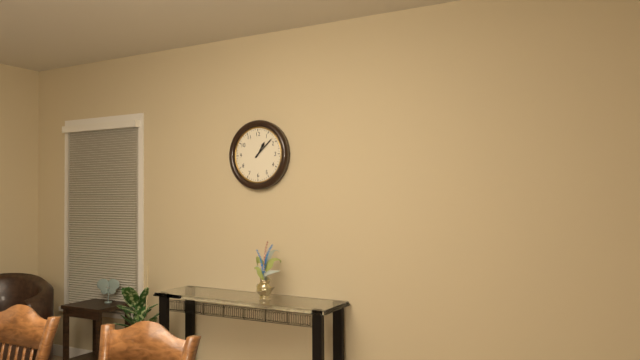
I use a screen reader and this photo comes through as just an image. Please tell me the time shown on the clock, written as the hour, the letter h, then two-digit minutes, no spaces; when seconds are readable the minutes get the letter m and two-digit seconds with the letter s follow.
1h08
